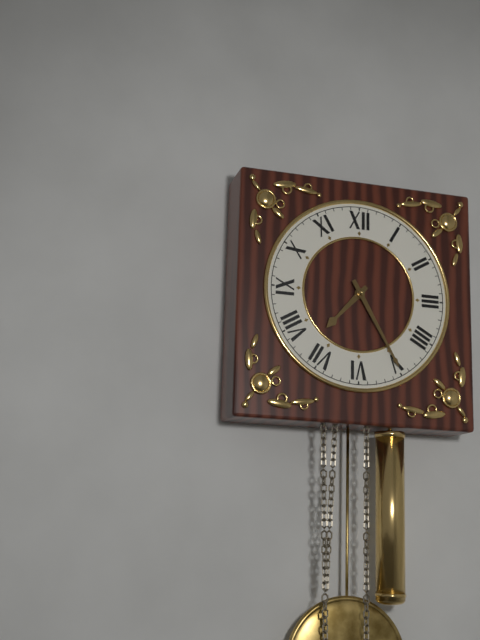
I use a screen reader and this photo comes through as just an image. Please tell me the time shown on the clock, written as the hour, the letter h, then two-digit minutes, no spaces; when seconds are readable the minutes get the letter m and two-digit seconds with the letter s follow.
7h25
